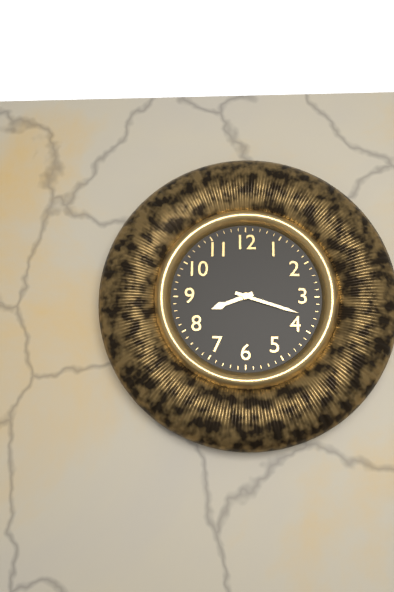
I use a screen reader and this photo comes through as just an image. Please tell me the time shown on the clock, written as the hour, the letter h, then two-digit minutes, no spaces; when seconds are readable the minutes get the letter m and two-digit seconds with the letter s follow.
8h18
